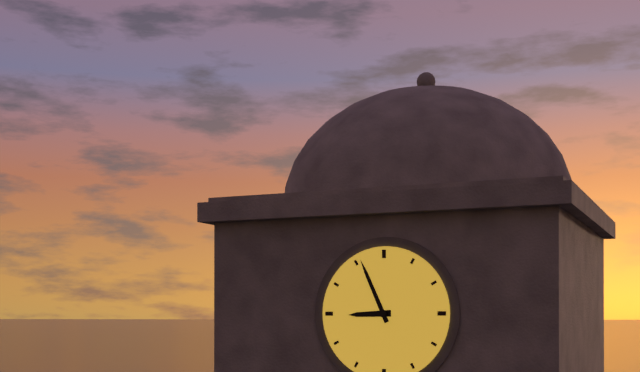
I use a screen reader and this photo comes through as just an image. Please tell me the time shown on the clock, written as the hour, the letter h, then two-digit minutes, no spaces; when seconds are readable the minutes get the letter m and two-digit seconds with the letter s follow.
8h56
